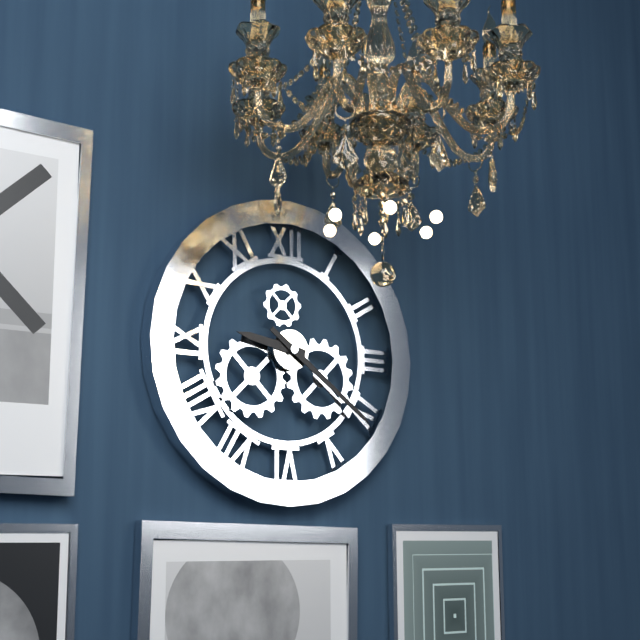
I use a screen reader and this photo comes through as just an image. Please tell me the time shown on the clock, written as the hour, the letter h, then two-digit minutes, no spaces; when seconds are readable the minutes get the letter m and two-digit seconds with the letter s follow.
9h21
